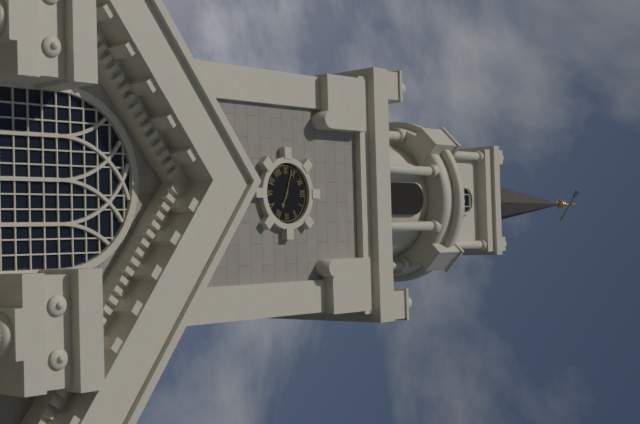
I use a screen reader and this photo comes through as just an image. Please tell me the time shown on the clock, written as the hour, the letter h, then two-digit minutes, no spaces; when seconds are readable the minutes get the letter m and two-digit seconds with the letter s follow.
3h48
